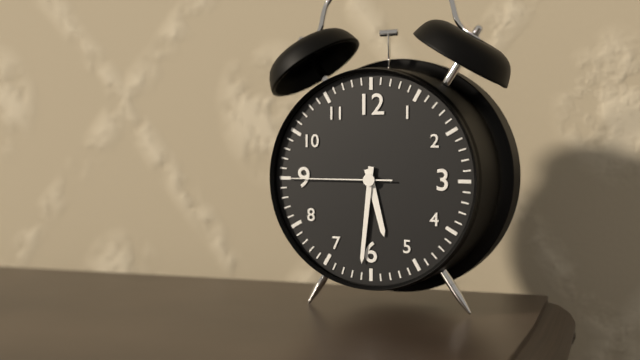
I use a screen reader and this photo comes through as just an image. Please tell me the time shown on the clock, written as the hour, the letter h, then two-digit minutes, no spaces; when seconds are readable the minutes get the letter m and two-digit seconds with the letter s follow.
5h31m45s
